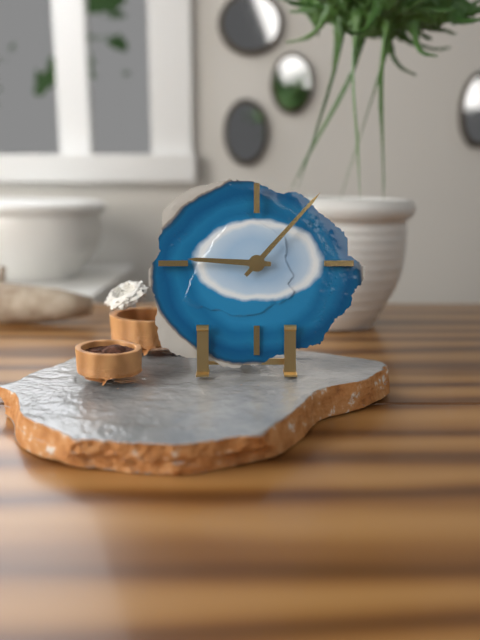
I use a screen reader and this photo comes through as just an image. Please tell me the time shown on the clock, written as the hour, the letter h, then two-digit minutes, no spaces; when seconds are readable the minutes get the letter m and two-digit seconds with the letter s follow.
9h07
